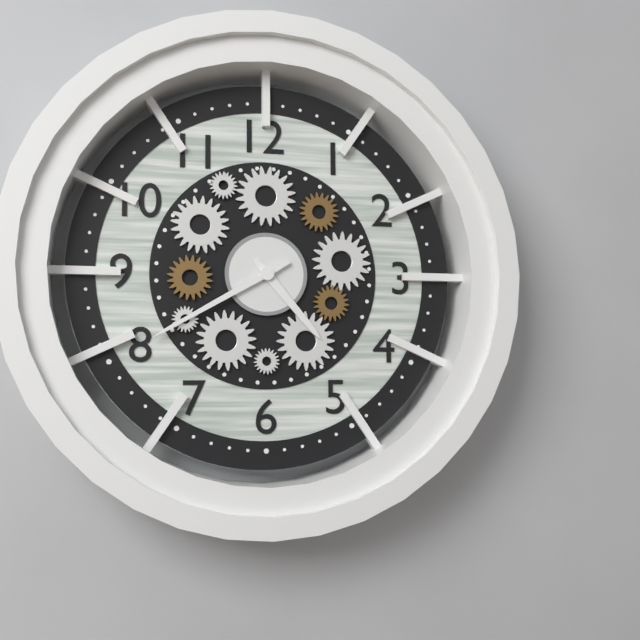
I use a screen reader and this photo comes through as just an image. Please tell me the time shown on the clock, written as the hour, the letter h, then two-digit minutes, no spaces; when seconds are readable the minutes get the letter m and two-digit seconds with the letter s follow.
4h40
